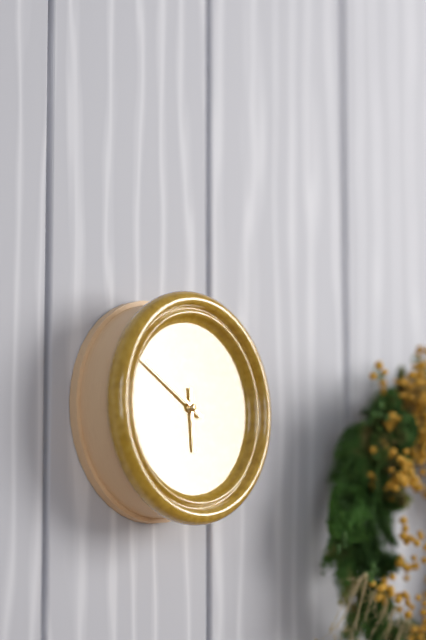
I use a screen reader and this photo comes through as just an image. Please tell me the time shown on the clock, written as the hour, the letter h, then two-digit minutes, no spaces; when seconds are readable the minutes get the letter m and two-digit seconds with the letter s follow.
5h50
